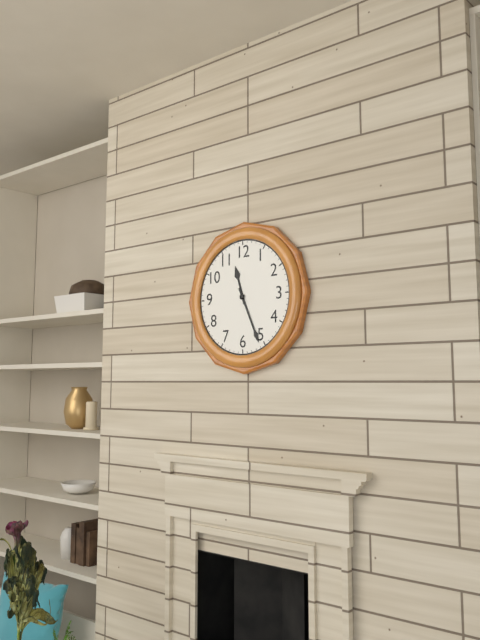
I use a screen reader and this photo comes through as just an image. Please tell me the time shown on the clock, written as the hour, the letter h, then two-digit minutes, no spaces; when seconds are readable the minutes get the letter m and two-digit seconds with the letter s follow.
11h26
